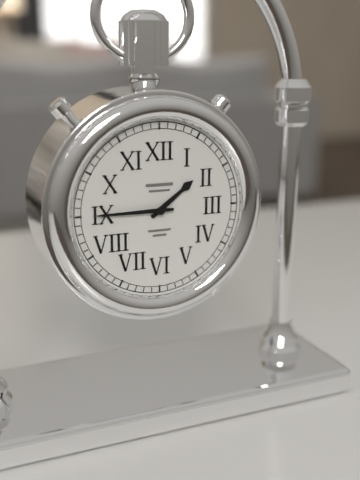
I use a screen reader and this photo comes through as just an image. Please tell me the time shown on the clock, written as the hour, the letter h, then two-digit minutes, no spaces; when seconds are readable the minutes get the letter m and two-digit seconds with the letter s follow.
1h45
